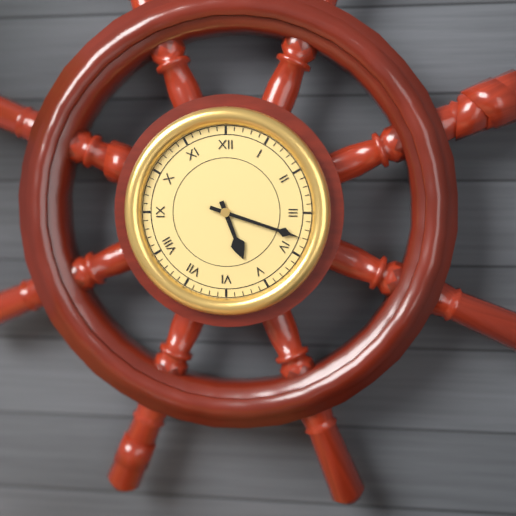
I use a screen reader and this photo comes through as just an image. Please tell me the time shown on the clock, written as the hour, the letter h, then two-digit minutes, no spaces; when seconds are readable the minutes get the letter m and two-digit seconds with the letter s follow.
5h18
